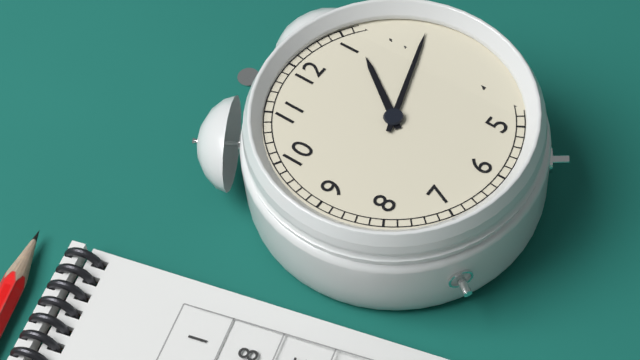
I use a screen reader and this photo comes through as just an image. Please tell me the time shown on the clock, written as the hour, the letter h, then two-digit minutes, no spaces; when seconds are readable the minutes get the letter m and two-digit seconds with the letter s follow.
1h12
